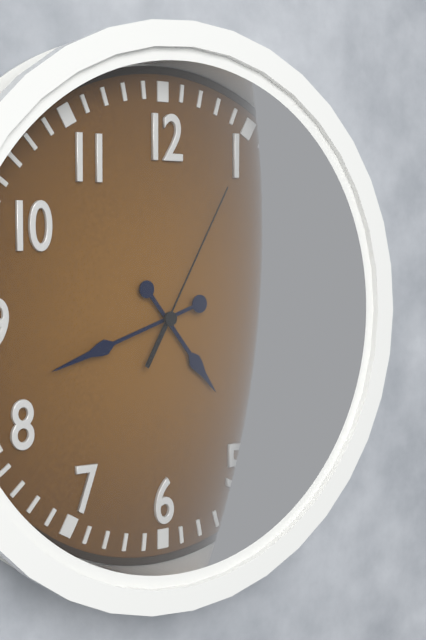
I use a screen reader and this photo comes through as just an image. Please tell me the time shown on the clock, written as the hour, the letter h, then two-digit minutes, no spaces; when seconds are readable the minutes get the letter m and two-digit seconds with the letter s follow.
4h42m05s
